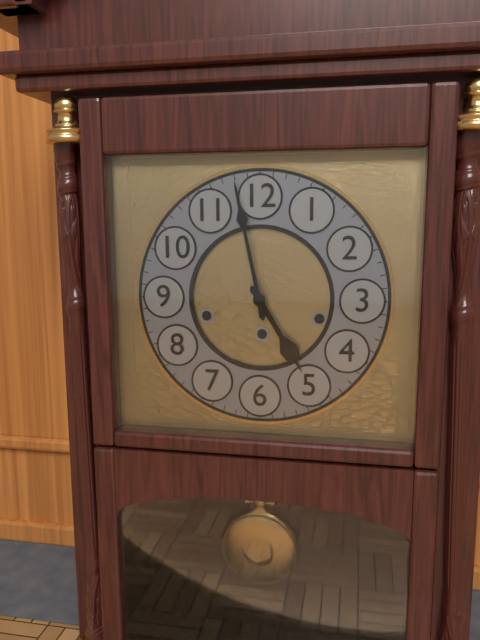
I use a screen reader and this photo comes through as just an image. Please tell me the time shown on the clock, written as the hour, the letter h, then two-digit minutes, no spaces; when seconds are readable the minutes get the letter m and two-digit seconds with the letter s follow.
4h58
